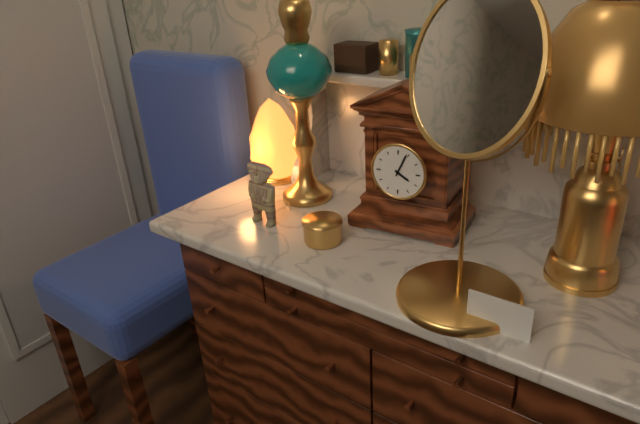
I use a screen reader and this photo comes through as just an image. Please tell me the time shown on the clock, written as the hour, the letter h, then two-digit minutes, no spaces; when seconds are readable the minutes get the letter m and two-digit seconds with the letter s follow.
4h04
